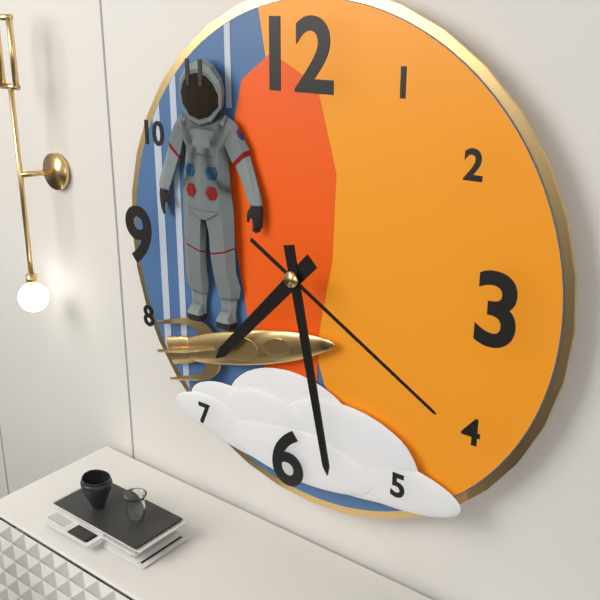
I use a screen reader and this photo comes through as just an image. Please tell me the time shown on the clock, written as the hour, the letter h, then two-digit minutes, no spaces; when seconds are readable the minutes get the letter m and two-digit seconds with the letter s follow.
7h28m20s
